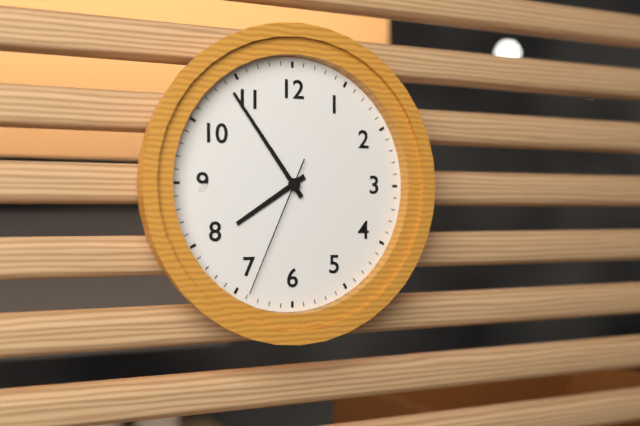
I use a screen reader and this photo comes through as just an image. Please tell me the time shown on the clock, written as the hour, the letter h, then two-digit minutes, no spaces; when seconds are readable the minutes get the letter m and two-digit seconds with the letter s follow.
7h54m34s
